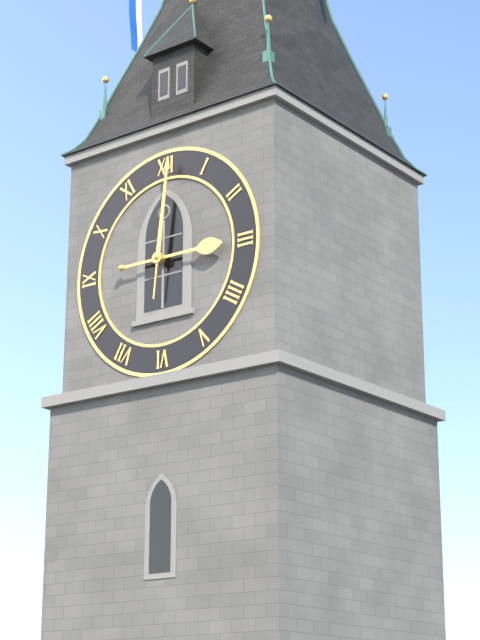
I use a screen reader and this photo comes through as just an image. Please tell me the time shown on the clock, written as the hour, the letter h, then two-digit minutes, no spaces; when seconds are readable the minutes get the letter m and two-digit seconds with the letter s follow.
3h01
